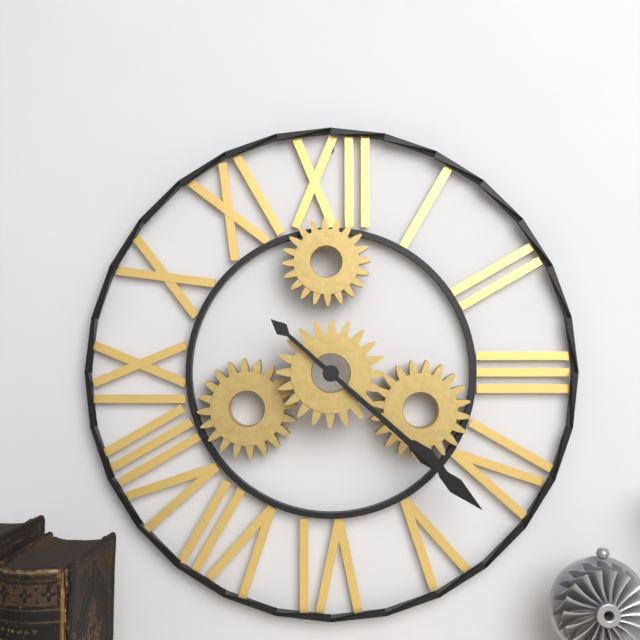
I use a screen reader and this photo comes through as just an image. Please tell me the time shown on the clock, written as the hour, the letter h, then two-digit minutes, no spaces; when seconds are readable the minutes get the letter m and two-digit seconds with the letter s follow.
4h22
